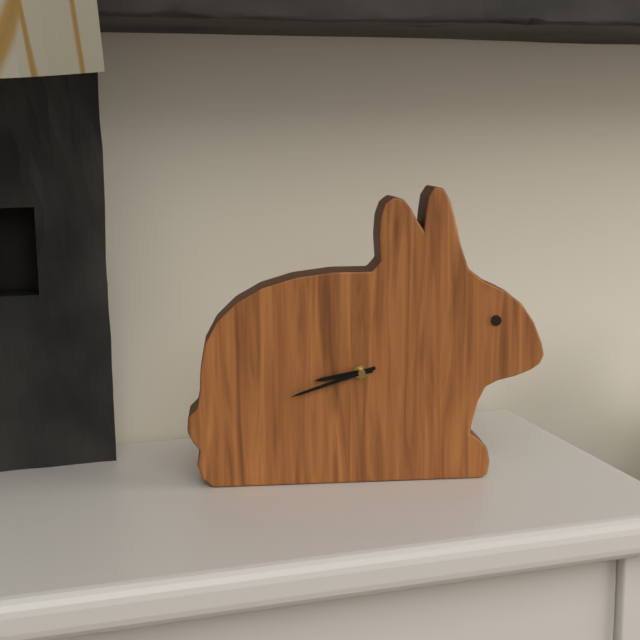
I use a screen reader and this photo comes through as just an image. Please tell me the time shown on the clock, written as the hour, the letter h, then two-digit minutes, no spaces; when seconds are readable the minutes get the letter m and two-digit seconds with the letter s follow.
8h42
